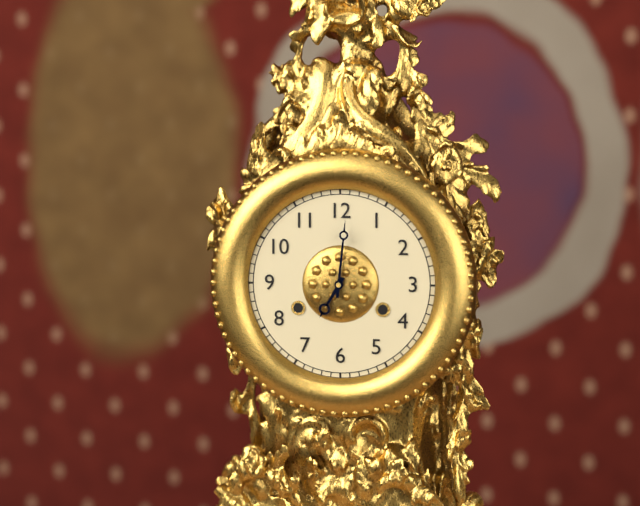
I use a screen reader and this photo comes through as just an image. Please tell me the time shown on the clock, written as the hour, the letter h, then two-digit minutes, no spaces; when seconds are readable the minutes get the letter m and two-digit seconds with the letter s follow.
7h01
